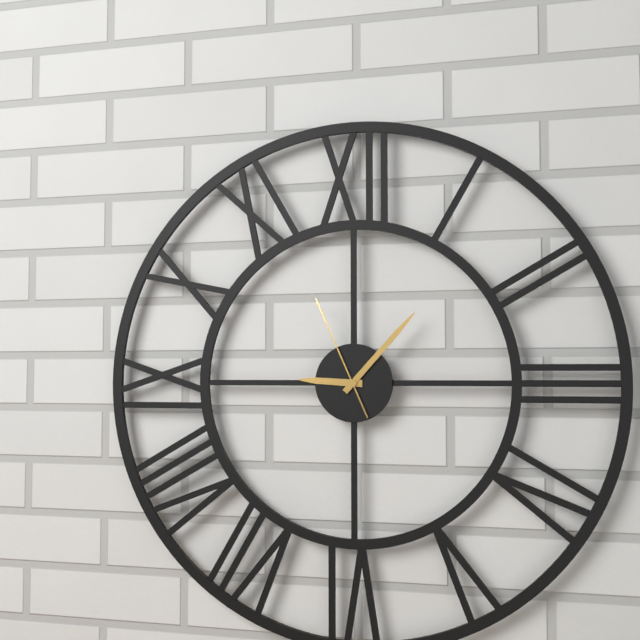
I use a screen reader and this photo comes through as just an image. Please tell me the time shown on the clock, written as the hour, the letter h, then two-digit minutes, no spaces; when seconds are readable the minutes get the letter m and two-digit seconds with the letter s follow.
9h07m56s
